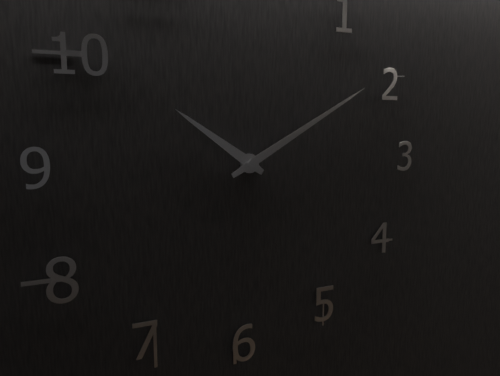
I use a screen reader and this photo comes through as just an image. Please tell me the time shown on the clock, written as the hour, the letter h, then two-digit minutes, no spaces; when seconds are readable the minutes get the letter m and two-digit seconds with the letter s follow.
10h10
